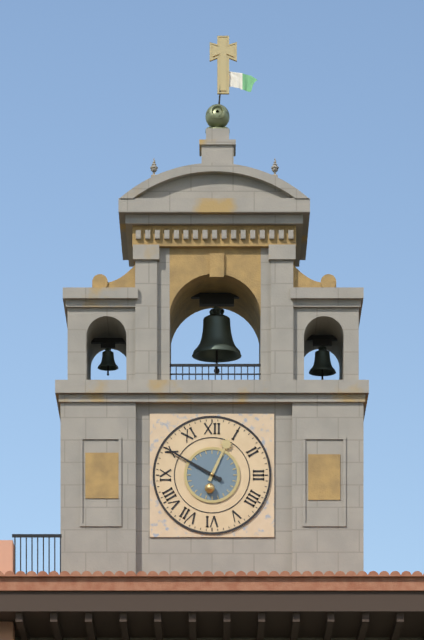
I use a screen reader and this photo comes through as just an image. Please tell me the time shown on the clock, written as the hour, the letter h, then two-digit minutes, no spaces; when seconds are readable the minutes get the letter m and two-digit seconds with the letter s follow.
12h50
